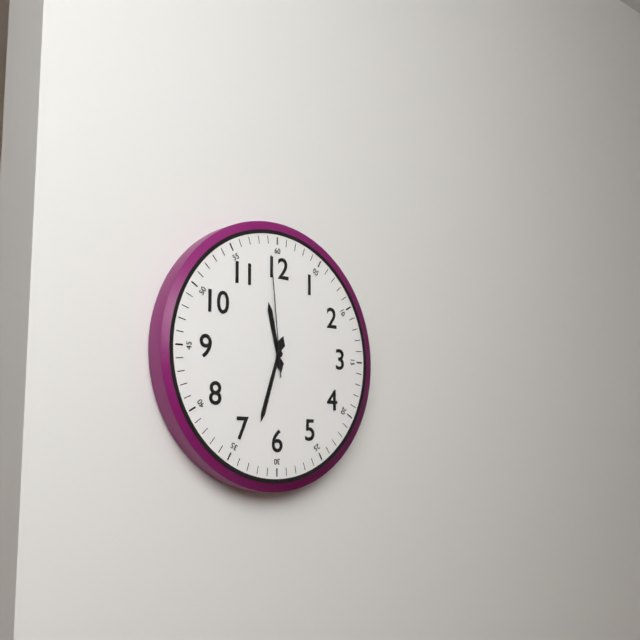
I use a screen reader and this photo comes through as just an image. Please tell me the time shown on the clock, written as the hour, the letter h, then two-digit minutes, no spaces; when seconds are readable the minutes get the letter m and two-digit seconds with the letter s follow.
11h33m59s
